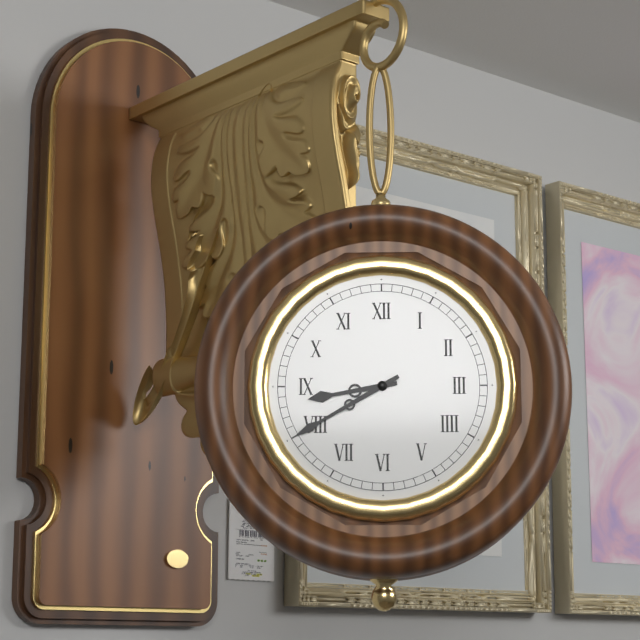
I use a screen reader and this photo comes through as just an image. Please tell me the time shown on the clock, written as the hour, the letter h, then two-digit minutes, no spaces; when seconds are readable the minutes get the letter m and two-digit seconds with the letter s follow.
8h40
